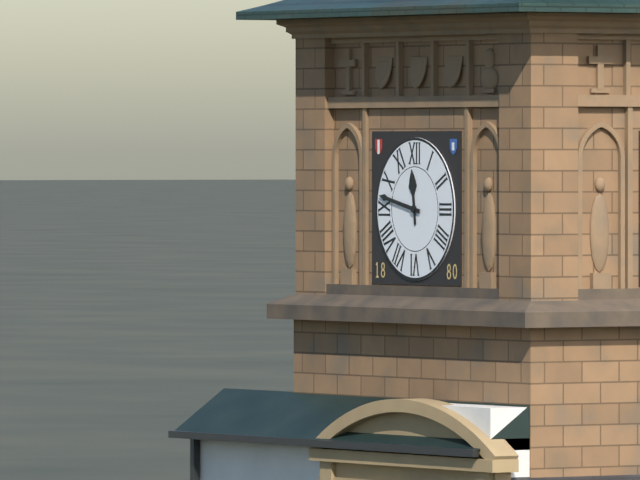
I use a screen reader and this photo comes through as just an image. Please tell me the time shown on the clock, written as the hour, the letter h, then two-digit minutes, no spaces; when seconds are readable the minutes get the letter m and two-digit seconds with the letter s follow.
11h47
